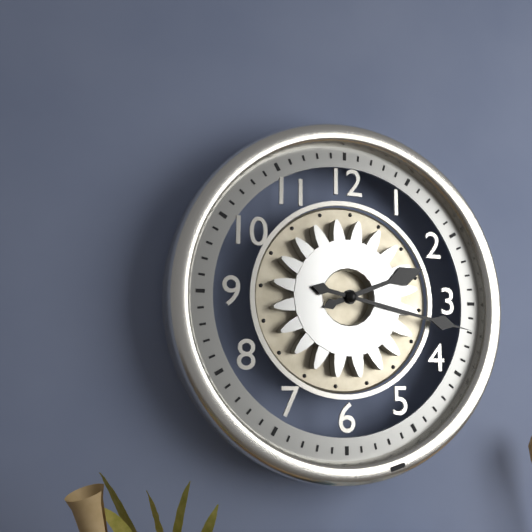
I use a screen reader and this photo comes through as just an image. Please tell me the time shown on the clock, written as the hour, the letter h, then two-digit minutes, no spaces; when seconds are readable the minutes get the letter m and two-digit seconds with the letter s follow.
2h17
